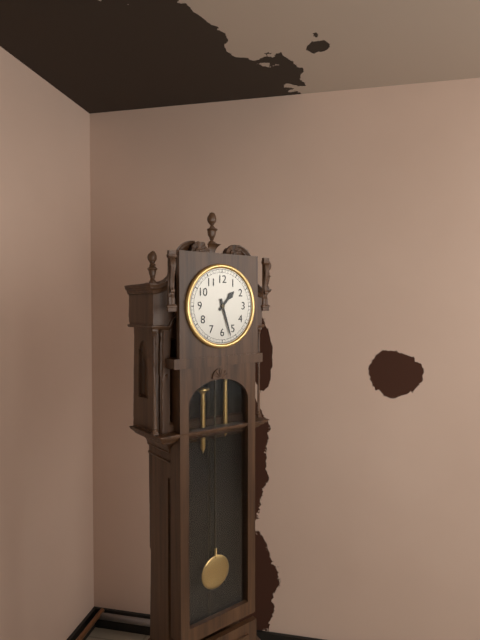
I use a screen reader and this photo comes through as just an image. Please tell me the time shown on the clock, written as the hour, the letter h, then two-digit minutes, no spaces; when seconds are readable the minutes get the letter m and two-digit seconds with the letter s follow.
1h27
